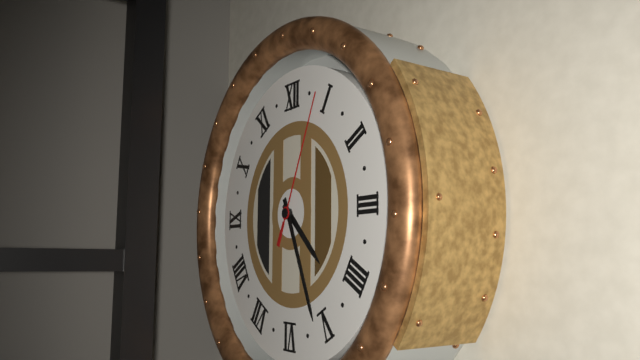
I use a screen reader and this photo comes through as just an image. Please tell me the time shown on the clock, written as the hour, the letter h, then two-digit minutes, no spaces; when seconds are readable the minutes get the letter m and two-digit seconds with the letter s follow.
4h26m04s
